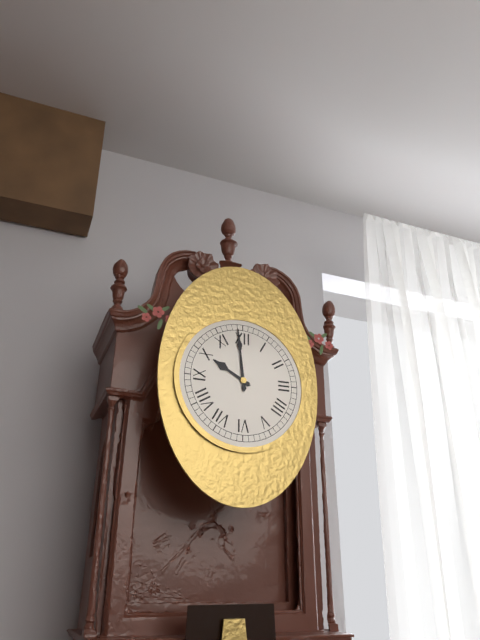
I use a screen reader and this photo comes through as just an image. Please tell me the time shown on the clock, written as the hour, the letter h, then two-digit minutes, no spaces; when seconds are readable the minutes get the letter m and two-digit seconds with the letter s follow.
9h59
